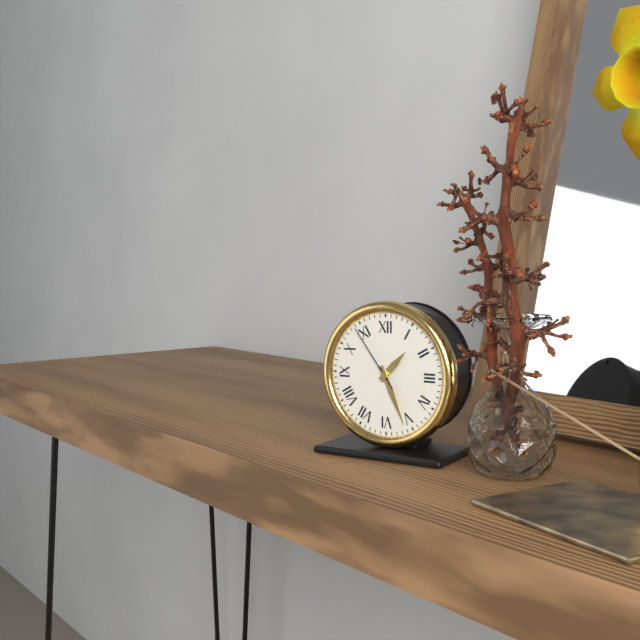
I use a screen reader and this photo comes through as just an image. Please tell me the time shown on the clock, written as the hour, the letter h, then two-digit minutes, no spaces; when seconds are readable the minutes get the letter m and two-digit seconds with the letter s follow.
1h26m54s
